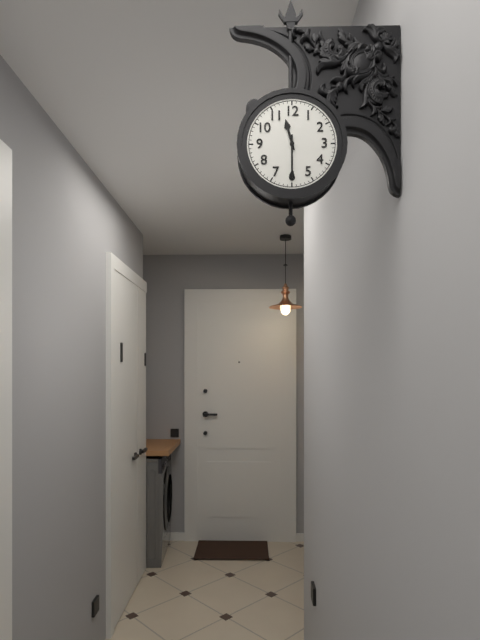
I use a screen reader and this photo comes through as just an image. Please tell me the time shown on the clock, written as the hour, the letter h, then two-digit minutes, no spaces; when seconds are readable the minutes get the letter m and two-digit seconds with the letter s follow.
11h30
